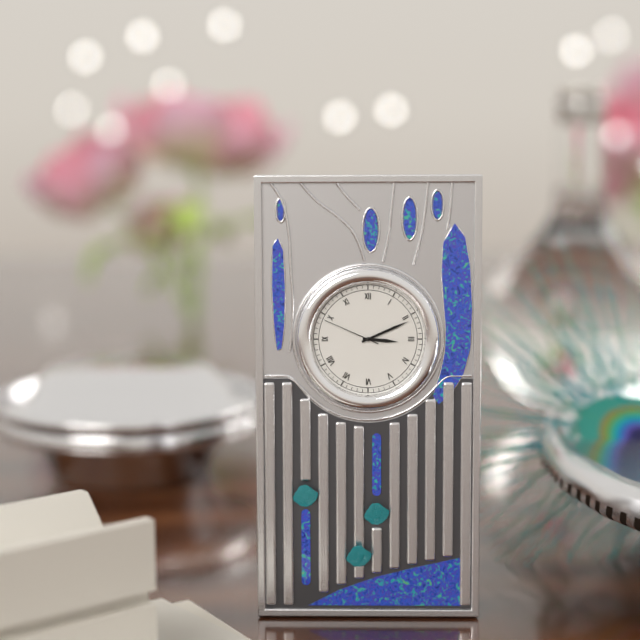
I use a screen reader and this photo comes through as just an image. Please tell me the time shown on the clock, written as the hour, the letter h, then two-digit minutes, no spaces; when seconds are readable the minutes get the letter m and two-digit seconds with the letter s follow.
3h11m49s
